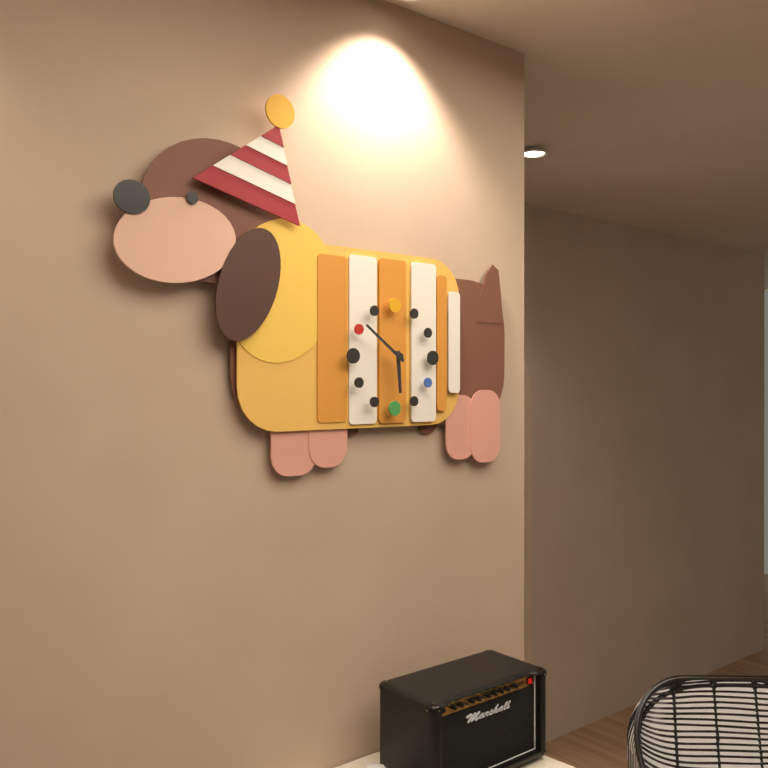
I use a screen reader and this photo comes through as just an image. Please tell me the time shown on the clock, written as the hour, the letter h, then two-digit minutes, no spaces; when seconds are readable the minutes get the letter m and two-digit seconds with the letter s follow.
5h51
